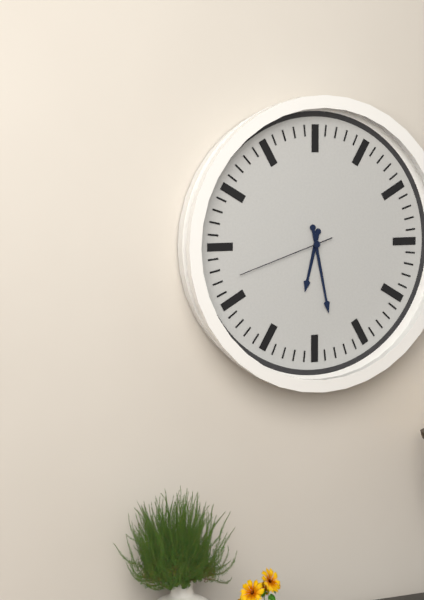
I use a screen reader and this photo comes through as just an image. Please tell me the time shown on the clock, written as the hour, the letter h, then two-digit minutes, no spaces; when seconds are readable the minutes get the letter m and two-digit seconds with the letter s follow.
6h28m42s
